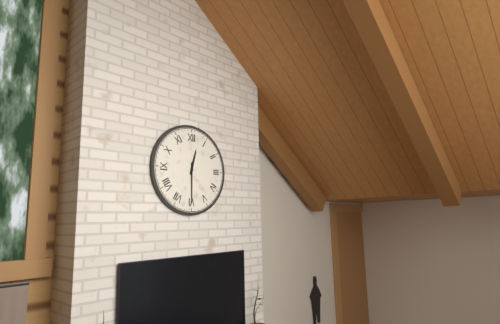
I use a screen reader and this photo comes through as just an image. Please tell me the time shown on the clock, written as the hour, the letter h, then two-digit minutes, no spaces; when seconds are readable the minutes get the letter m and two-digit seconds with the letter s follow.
12h30
